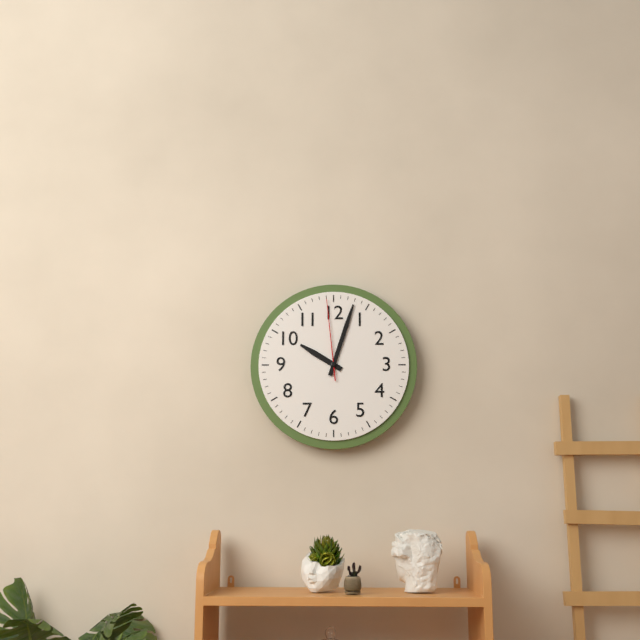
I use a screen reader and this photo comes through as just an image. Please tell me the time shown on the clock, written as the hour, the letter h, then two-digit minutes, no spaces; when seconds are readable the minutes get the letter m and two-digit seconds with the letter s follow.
10h03m59s
